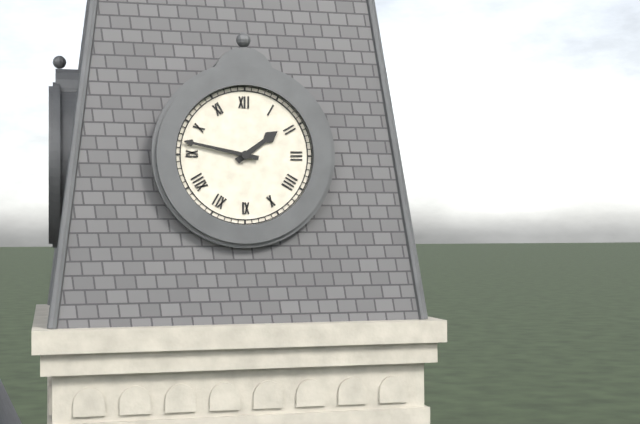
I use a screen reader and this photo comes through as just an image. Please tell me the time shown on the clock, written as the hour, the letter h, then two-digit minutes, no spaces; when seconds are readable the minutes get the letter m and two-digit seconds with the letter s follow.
1h47
